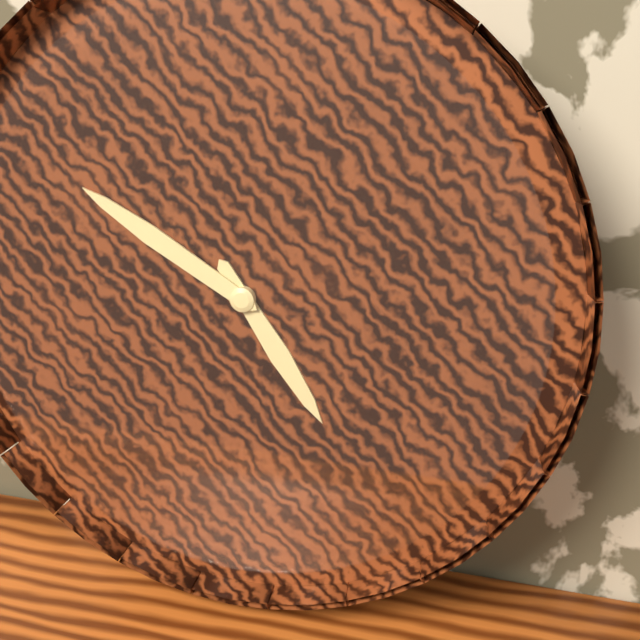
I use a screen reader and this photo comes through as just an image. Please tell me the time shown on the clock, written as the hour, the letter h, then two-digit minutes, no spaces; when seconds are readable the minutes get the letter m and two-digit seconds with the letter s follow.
4h50
